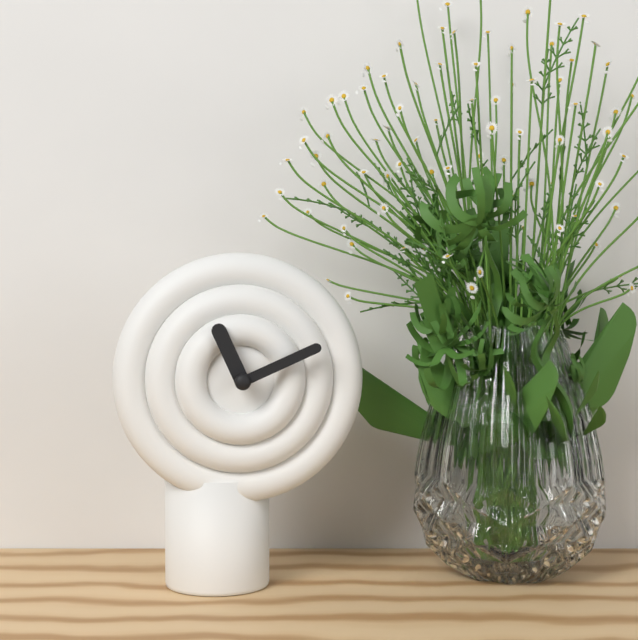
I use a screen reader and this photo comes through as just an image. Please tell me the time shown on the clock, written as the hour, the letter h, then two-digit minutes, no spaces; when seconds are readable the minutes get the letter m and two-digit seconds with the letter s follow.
11h11
